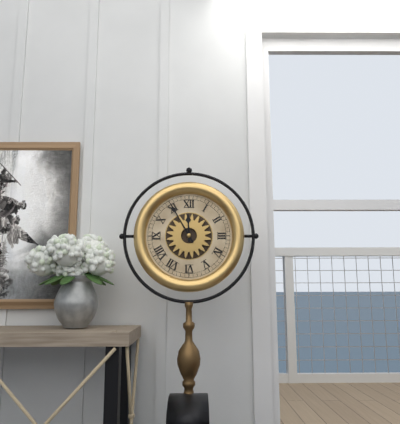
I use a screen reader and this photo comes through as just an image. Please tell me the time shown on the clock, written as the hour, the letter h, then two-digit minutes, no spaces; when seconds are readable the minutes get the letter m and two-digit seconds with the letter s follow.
11h55
